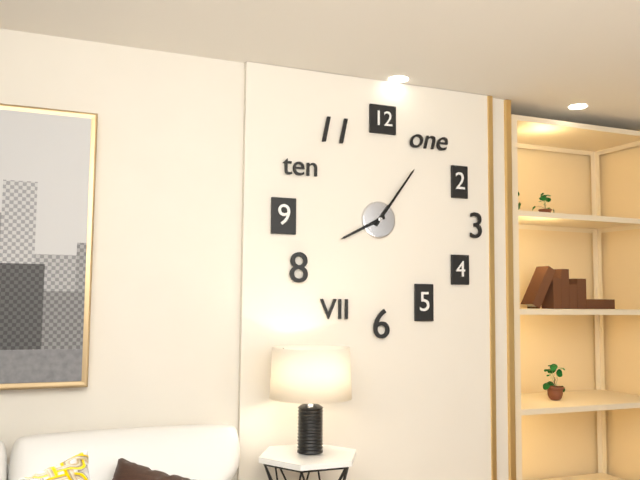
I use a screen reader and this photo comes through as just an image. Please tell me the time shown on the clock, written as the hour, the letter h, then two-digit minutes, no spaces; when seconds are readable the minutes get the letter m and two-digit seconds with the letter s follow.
8h06
